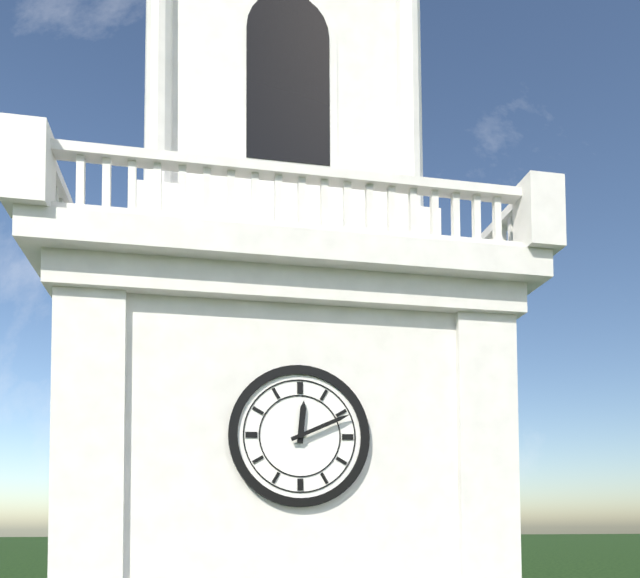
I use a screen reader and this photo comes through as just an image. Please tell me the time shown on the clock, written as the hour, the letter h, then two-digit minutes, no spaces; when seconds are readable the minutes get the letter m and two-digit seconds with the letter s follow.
12h11
